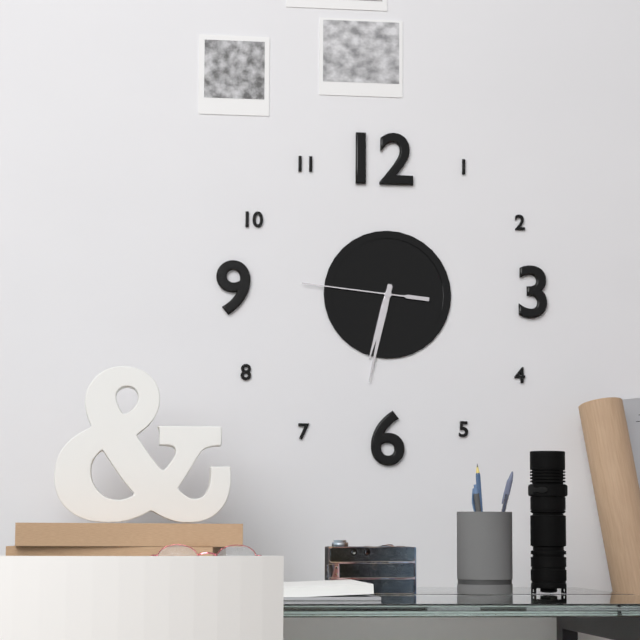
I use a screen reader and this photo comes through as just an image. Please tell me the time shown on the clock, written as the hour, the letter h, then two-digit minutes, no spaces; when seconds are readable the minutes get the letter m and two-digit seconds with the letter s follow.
6h32m46s
